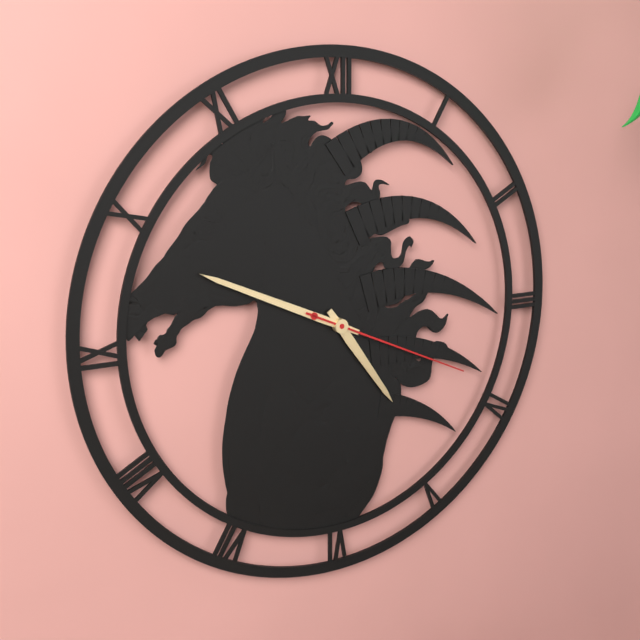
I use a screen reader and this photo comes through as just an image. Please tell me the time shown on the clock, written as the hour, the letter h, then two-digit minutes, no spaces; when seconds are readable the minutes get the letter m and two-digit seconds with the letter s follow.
4h49m19s
